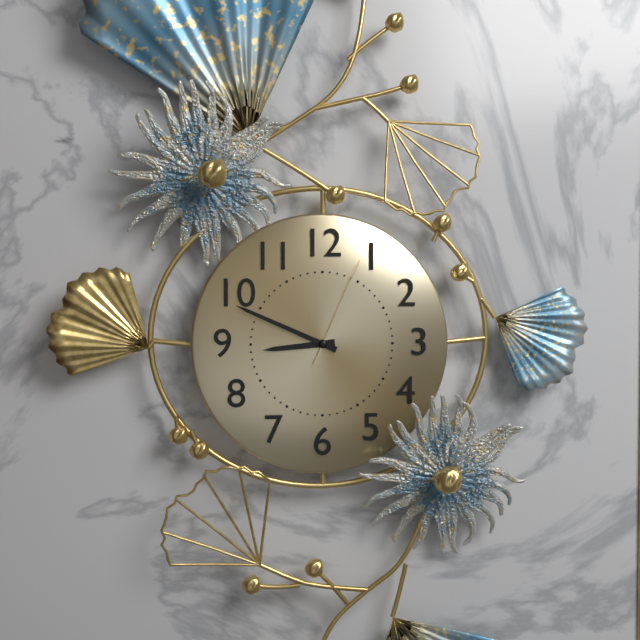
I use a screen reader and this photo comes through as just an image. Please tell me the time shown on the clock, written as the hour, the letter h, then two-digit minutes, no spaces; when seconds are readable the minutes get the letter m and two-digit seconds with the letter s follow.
8h49m04s
